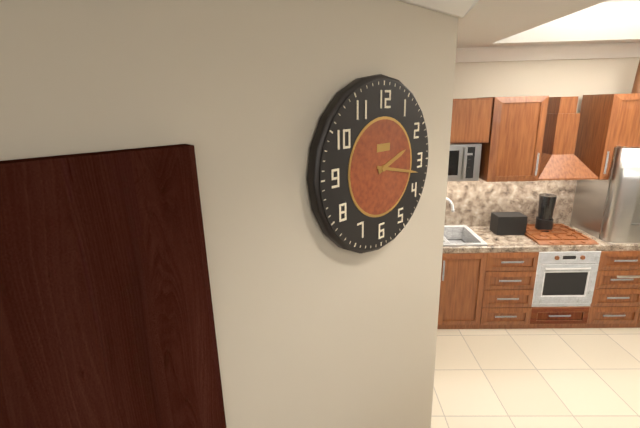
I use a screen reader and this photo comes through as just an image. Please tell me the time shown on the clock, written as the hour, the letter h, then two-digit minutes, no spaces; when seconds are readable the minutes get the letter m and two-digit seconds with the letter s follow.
2h17
